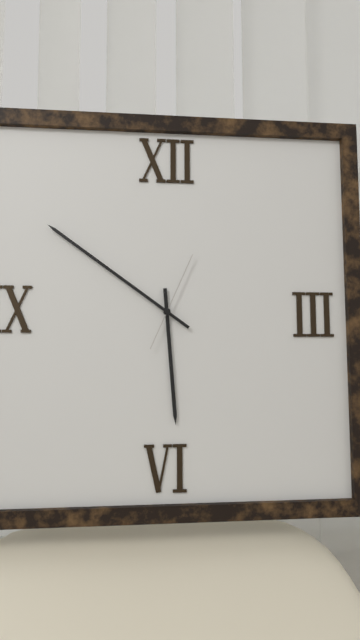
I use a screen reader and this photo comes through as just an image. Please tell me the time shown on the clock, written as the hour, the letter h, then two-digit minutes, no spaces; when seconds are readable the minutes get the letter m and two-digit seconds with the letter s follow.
5h51m04s
